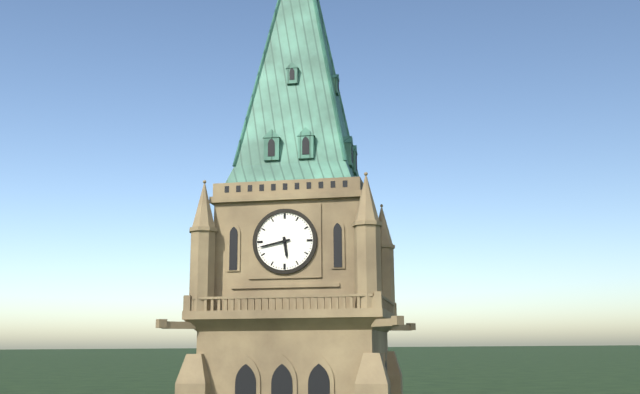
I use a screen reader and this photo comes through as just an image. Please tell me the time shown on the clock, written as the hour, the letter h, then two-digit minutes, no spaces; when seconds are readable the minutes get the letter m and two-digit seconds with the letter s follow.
5h43
